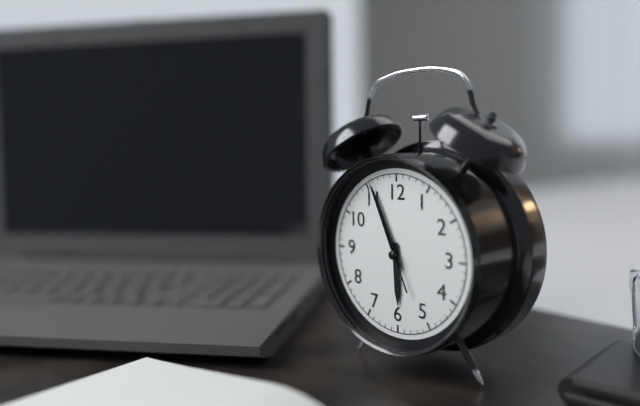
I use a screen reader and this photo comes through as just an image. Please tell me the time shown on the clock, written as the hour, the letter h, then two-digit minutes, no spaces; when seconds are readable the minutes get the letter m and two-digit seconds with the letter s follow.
5h56m56s
